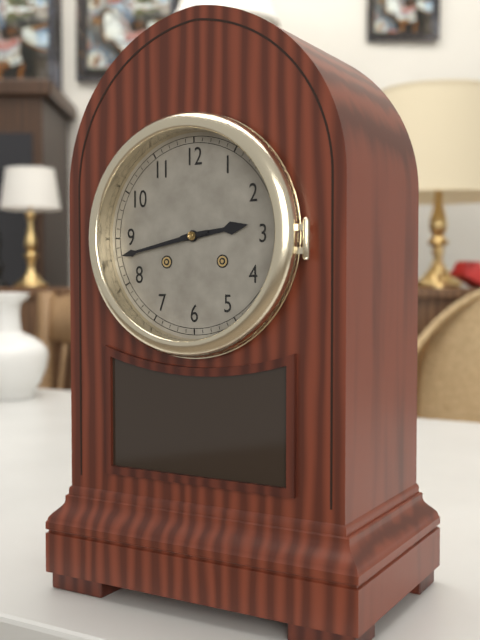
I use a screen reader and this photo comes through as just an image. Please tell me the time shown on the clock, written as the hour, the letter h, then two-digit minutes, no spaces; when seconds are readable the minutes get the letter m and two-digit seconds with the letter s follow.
2h43
